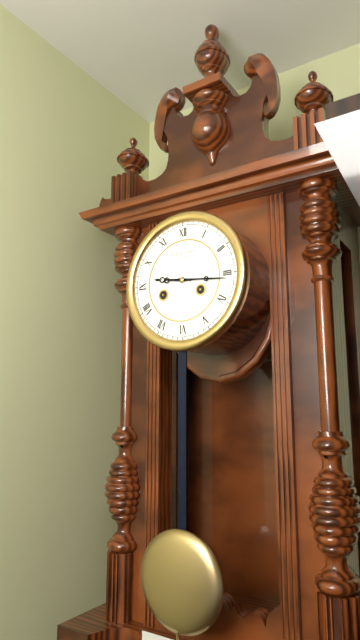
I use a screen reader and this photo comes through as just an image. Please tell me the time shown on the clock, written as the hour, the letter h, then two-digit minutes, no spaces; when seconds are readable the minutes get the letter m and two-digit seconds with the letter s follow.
9h16
